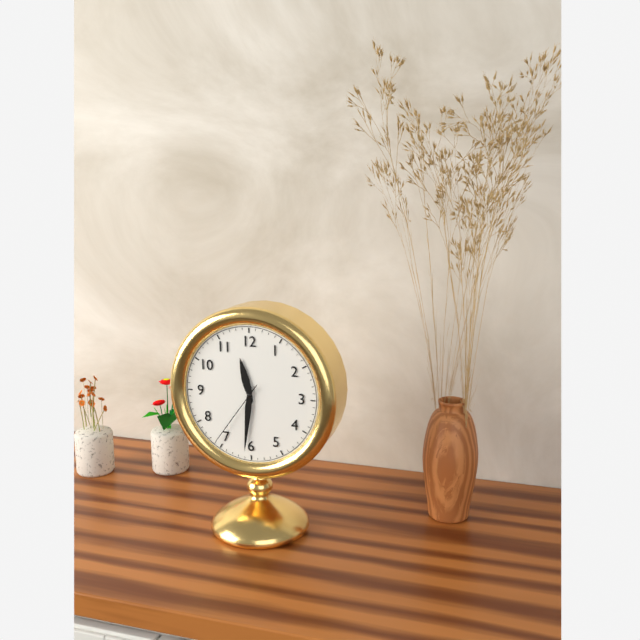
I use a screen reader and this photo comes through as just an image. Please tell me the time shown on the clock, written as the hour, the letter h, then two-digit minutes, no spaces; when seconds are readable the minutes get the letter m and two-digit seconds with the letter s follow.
11h31m36s
